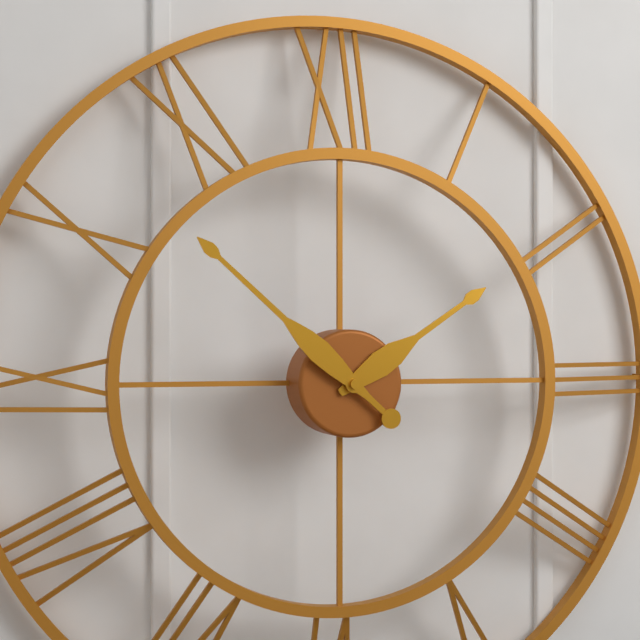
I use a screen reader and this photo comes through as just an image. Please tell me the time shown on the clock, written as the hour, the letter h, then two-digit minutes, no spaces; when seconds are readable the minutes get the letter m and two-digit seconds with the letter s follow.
1h52
